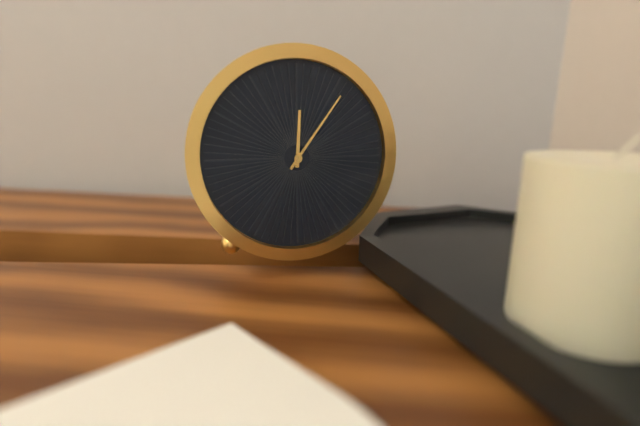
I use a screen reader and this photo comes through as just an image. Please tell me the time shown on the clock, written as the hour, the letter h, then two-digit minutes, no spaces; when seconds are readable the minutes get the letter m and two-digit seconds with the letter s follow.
12h06
